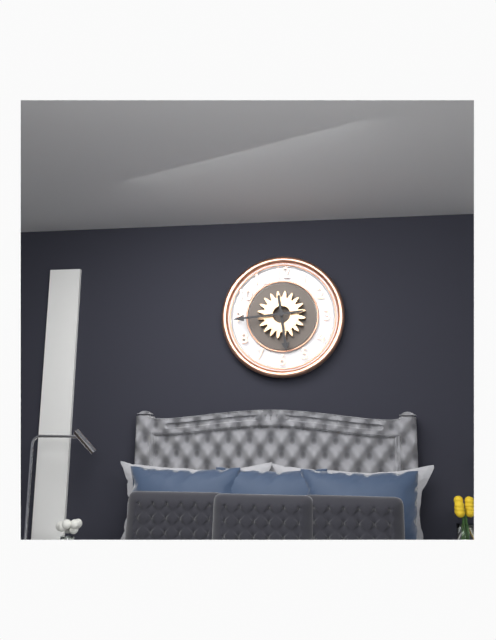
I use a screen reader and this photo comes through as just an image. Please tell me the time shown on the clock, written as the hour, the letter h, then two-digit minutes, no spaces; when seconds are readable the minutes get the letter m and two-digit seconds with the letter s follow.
5h44
